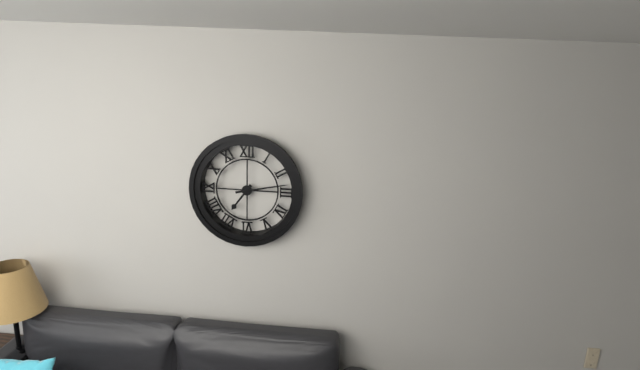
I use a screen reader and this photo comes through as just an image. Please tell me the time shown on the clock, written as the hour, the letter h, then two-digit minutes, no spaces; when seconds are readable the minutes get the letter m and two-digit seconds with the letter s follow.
7h13
